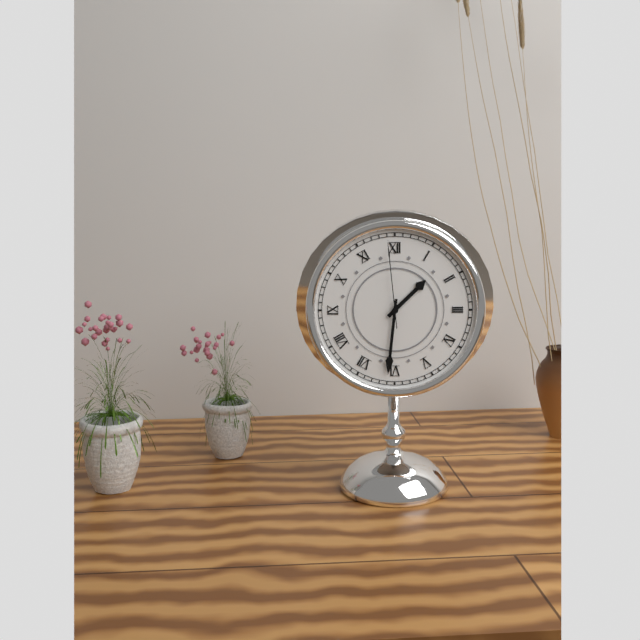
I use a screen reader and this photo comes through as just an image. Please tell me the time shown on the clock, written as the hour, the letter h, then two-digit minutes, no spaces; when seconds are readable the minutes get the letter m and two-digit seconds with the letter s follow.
1h31m59s
